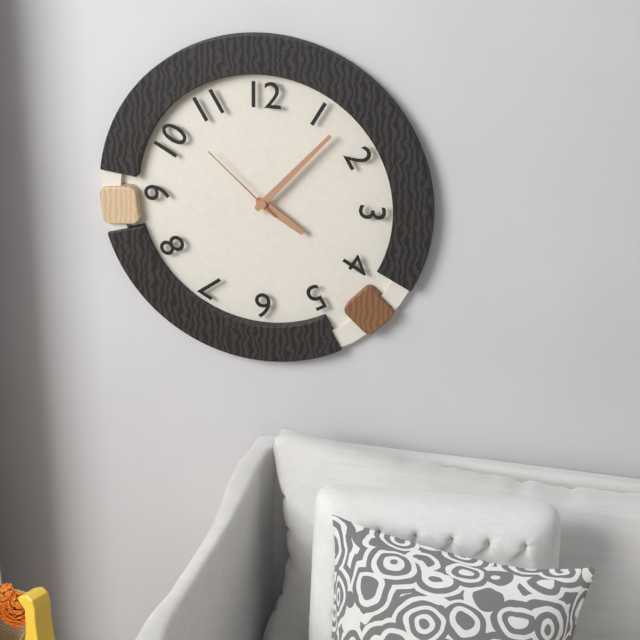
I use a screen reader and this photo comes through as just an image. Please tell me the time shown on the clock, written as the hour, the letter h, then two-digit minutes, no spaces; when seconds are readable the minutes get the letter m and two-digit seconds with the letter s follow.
4h07m52s
